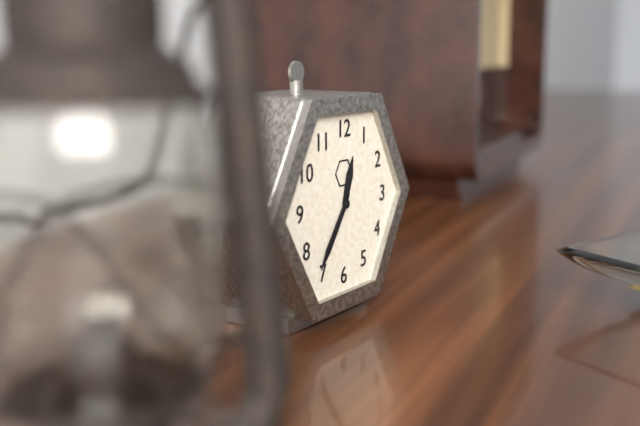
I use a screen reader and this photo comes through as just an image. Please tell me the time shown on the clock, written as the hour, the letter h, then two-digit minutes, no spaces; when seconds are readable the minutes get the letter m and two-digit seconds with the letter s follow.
12h36
